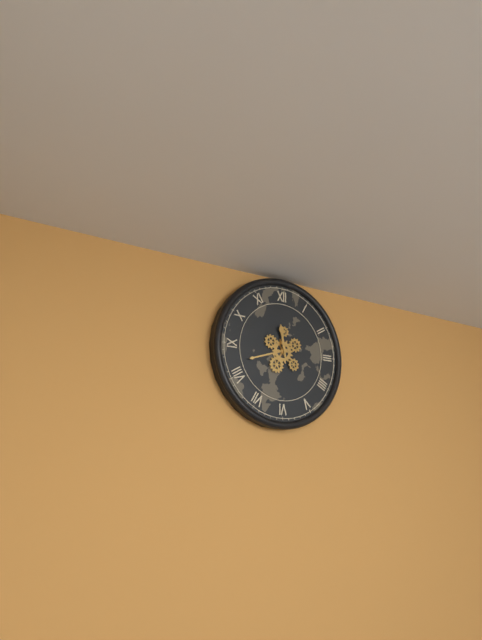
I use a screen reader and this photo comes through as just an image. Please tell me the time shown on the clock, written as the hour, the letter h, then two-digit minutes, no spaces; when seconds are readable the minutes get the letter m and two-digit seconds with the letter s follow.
11h42
